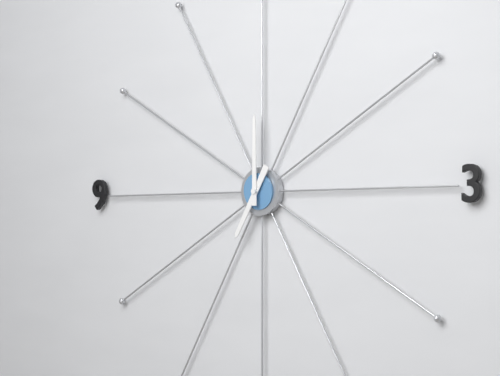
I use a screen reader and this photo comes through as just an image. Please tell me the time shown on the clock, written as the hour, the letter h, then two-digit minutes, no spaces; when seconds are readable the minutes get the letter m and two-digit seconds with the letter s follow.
7h00
